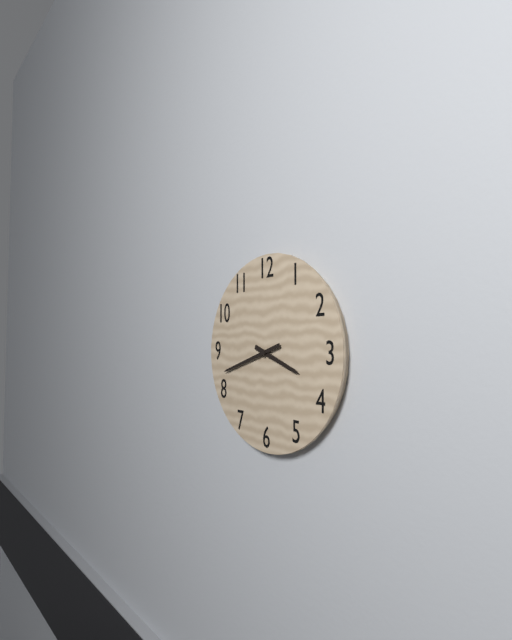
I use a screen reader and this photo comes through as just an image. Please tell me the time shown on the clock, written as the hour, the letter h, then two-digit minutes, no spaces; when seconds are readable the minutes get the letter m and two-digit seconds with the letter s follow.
3h42
